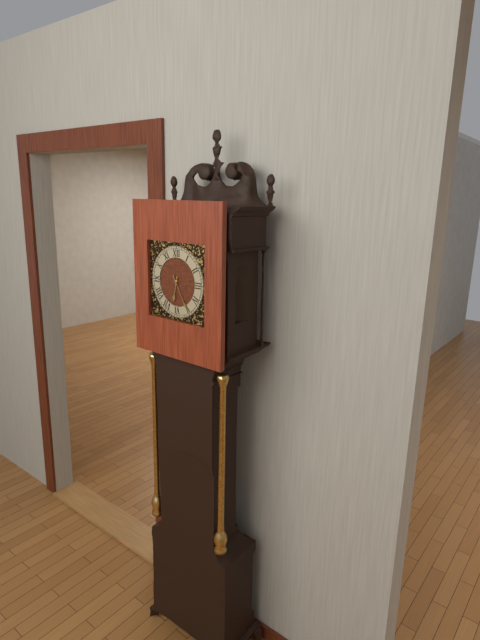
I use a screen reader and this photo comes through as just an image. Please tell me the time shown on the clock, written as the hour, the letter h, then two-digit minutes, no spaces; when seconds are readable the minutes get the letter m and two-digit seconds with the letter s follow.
6h25
